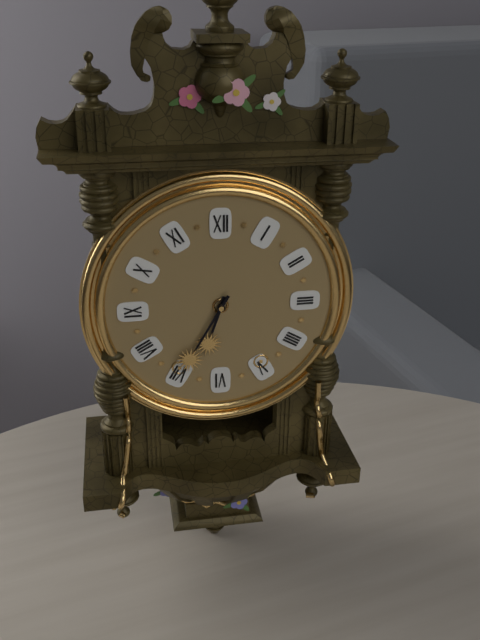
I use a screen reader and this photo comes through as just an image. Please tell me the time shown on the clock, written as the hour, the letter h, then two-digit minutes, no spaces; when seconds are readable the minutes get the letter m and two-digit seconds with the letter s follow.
6h35
